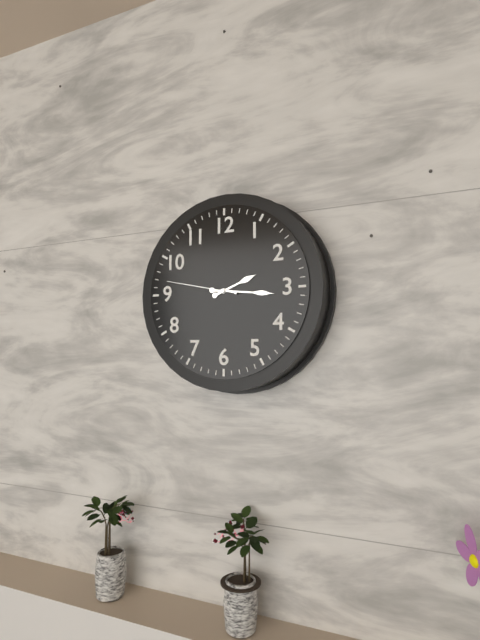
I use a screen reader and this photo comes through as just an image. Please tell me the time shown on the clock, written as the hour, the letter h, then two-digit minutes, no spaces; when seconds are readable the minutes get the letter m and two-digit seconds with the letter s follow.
2h16m47s
